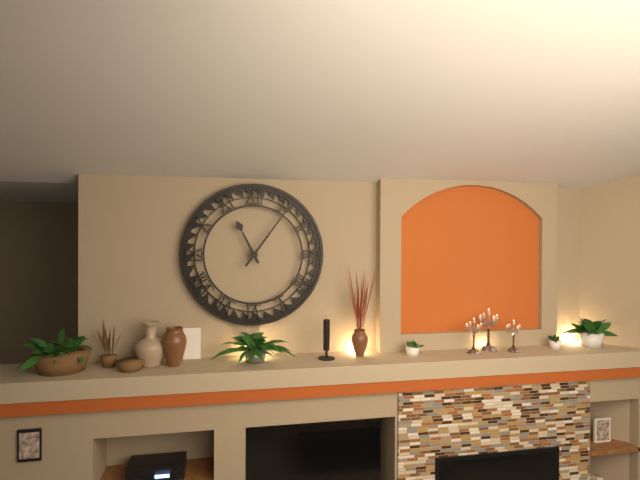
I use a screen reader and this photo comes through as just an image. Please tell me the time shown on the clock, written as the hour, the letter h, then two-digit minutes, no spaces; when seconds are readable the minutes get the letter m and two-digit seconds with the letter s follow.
11h06
